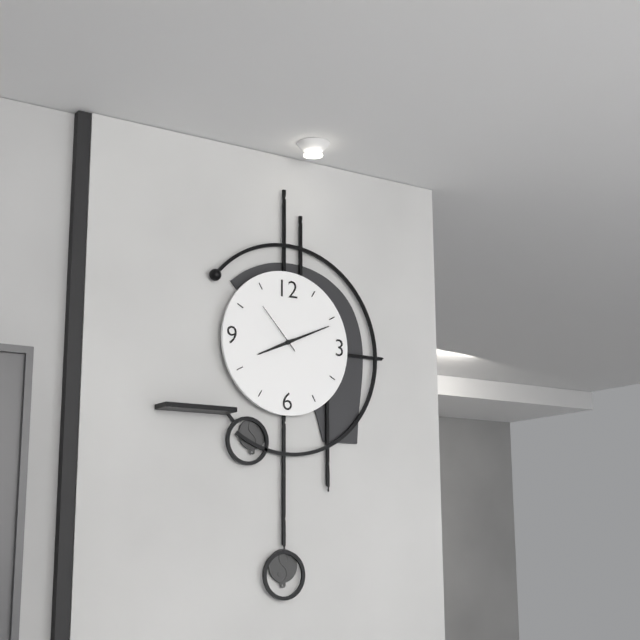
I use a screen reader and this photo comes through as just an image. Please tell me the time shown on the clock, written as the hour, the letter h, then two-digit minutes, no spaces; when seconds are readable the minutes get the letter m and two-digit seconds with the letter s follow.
8h11m53s
